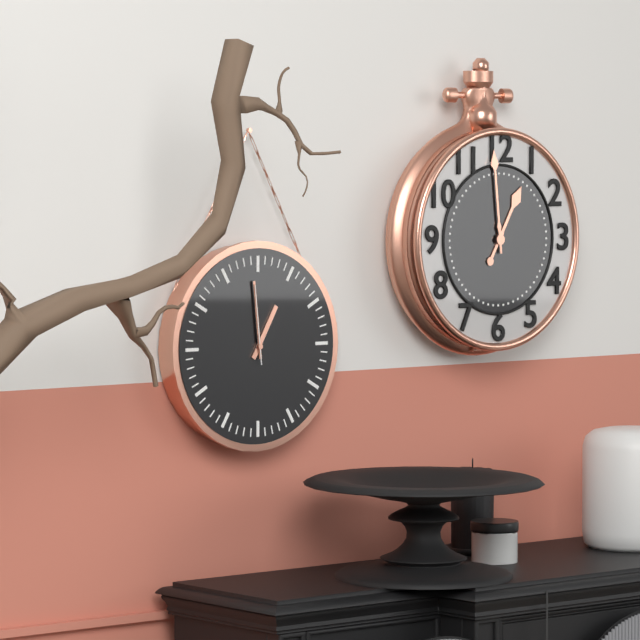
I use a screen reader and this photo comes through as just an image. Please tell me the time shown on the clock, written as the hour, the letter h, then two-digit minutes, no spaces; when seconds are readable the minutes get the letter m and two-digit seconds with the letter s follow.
12h59m59s
